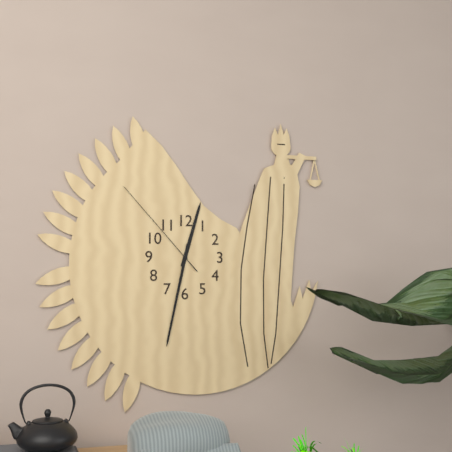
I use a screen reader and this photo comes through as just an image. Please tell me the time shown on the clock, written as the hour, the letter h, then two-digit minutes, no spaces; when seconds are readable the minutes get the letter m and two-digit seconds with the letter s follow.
12h32m53s
